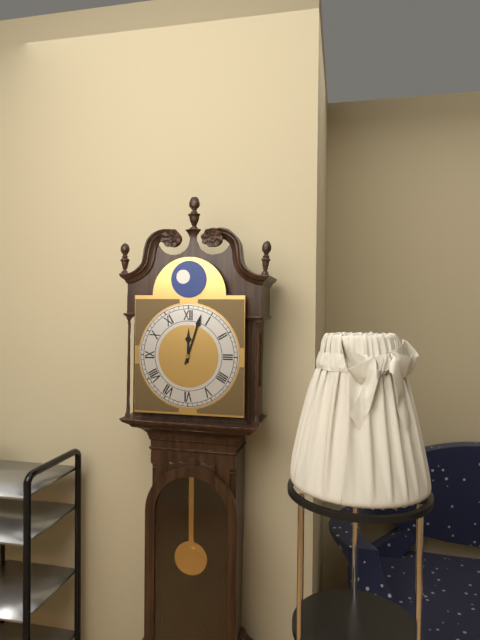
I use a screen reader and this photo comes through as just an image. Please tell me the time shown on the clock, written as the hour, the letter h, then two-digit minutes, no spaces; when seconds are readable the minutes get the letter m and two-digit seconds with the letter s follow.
12h03
